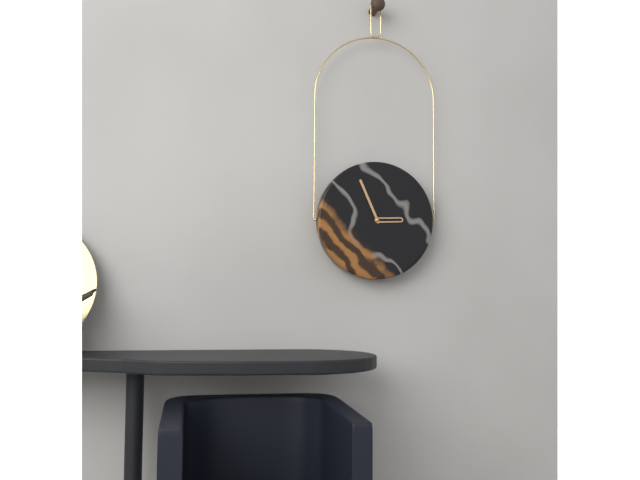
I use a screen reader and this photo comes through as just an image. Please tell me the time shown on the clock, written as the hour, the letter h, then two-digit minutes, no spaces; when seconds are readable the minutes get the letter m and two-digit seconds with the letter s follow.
2h56
